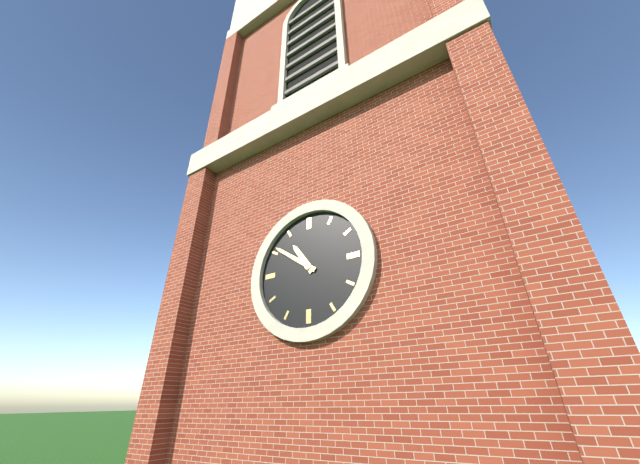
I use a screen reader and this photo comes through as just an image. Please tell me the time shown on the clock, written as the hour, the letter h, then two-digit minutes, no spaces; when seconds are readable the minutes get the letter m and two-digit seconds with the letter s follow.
10h51
